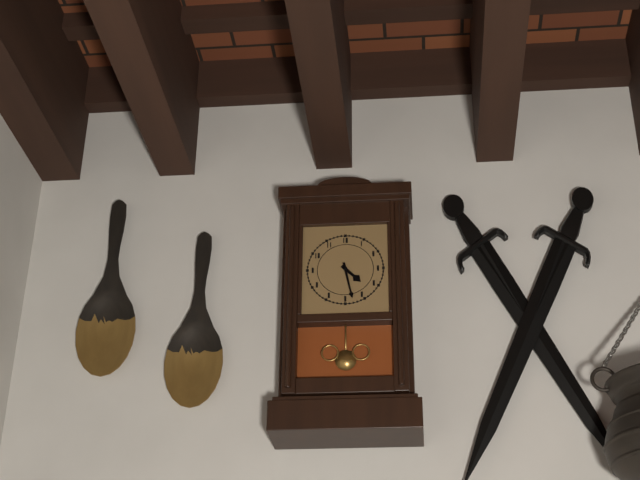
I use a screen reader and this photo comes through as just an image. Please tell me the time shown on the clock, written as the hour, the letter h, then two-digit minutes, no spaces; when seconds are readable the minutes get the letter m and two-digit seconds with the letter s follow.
4h28
